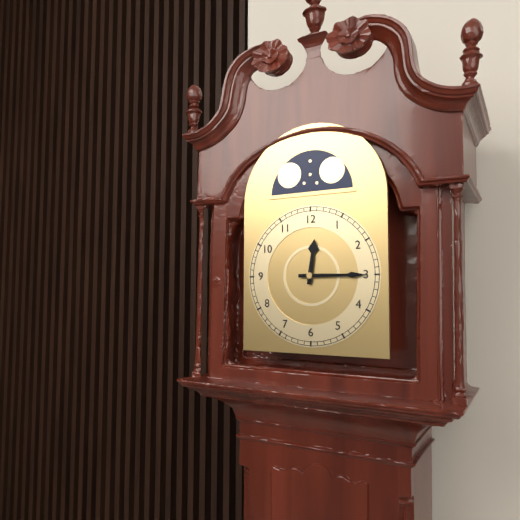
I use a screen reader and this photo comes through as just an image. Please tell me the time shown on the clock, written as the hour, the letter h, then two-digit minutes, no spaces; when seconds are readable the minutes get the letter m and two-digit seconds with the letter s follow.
12h15
